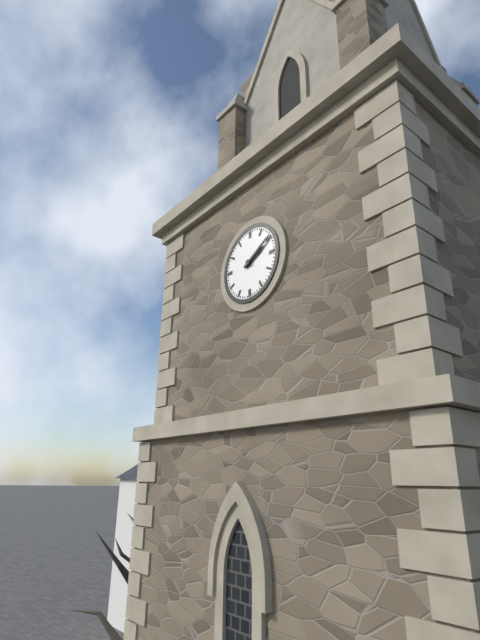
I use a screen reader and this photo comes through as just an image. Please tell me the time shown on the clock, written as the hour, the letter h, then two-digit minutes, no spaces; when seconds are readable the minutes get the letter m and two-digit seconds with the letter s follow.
2h10
